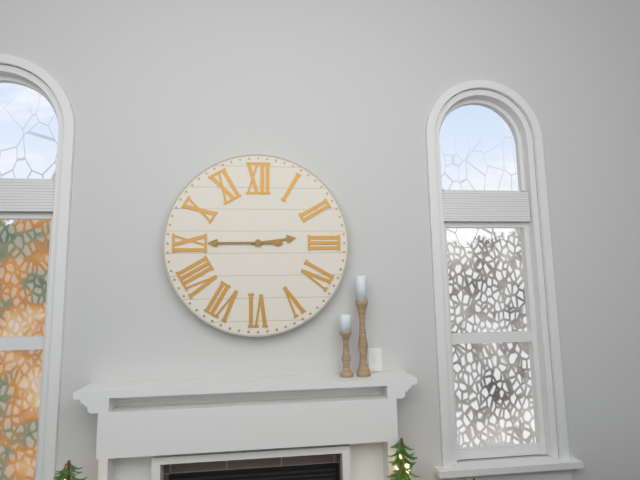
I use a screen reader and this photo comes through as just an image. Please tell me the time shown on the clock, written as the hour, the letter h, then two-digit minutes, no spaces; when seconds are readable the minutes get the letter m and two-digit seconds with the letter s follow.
2h45
